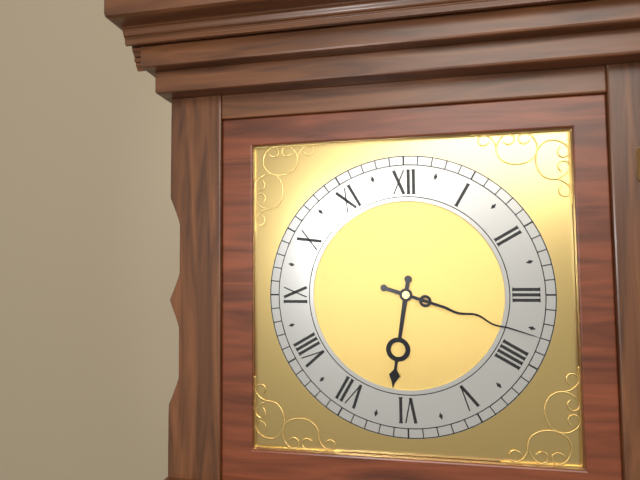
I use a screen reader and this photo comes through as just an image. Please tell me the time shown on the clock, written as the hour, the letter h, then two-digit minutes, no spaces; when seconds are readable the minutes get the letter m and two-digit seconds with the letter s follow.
6h18
